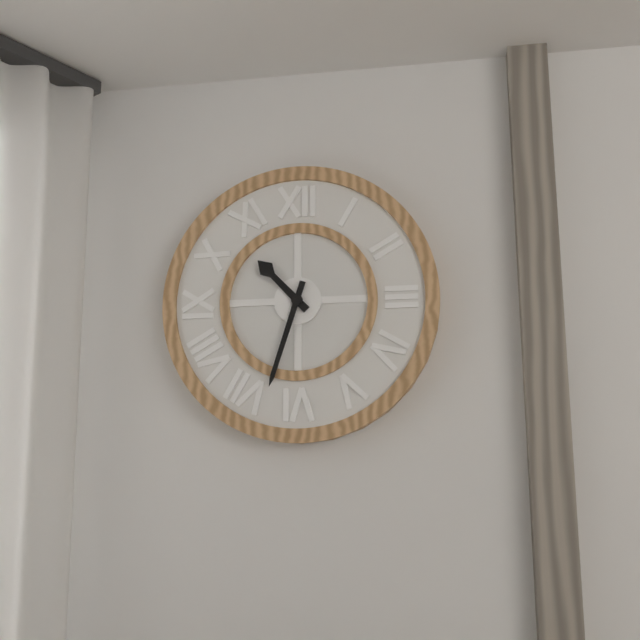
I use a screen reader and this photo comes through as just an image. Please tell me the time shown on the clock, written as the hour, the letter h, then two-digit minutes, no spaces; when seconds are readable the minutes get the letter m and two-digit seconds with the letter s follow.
10h33
